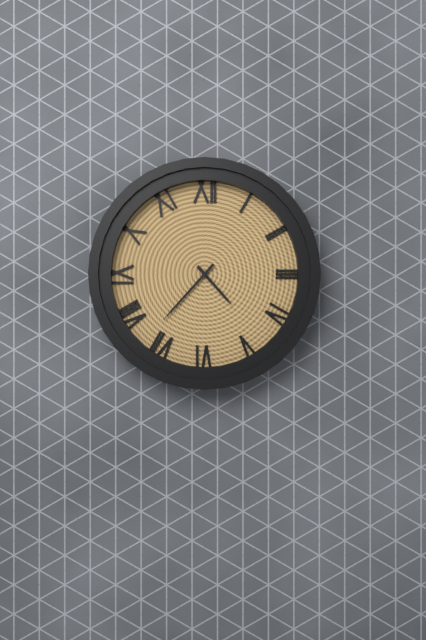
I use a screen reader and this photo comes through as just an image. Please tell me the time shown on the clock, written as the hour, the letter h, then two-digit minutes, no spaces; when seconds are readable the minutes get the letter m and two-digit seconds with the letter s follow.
4h37
